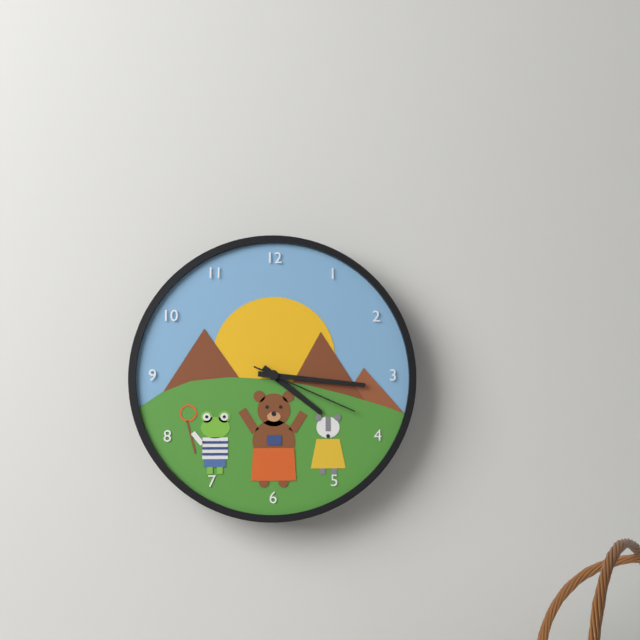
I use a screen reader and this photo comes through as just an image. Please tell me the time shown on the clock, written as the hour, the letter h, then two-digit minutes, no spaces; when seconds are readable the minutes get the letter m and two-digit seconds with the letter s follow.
4h16m19s
